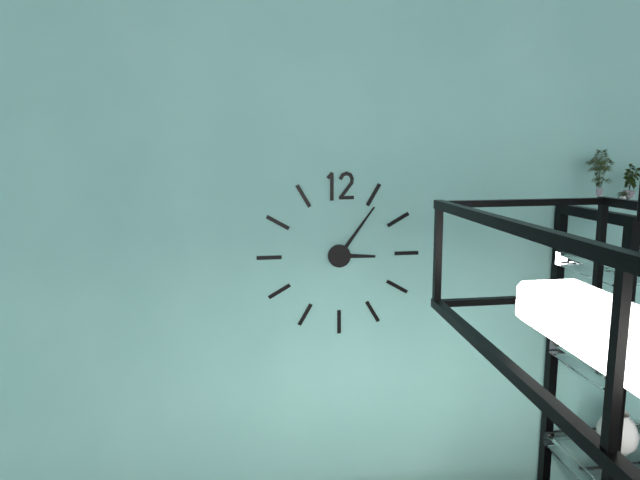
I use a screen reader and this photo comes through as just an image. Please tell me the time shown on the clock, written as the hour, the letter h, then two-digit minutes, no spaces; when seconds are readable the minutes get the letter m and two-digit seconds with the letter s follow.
3h06
